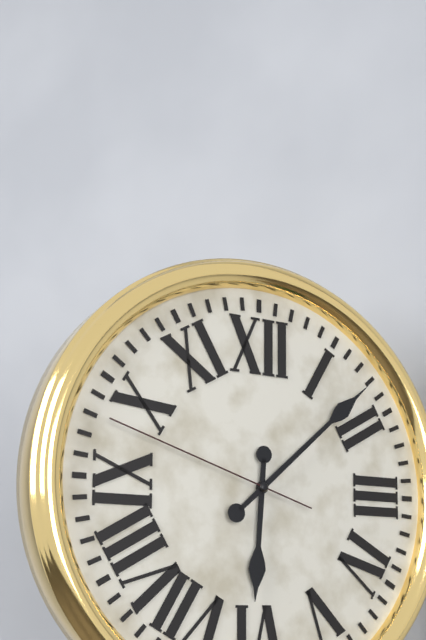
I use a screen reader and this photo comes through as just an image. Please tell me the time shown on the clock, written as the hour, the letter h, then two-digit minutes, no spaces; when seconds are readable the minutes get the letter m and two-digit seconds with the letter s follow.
6h08m48s
